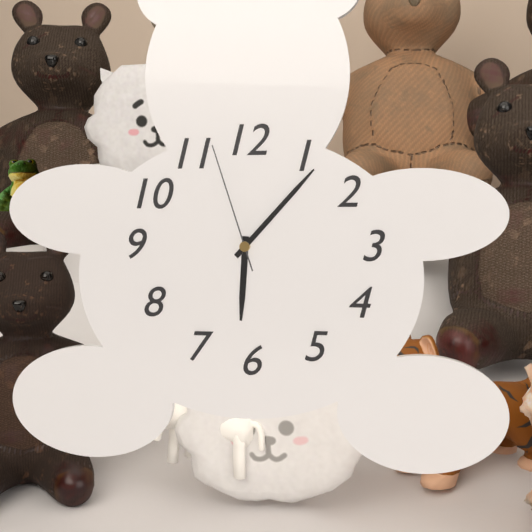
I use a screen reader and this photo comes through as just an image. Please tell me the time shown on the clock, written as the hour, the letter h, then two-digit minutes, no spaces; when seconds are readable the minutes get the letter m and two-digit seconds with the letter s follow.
6h07m57s
